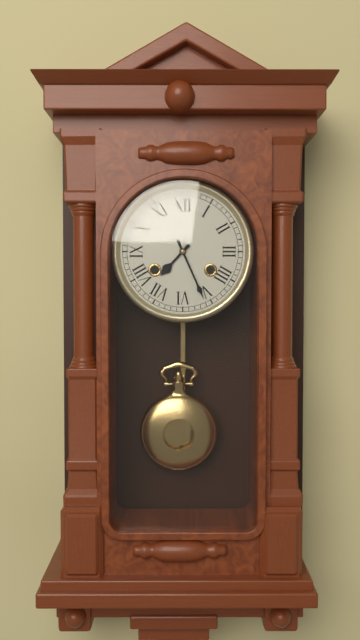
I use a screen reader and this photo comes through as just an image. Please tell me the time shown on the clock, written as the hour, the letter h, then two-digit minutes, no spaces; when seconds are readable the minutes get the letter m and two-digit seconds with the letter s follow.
7h26
